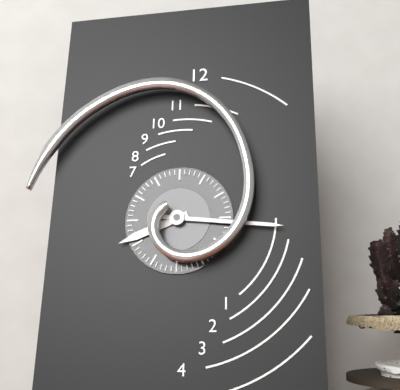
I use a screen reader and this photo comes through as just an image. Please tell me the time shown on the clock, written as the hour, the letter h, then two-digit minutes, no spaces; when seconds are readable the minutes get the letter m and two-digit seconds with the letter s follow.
8h16
